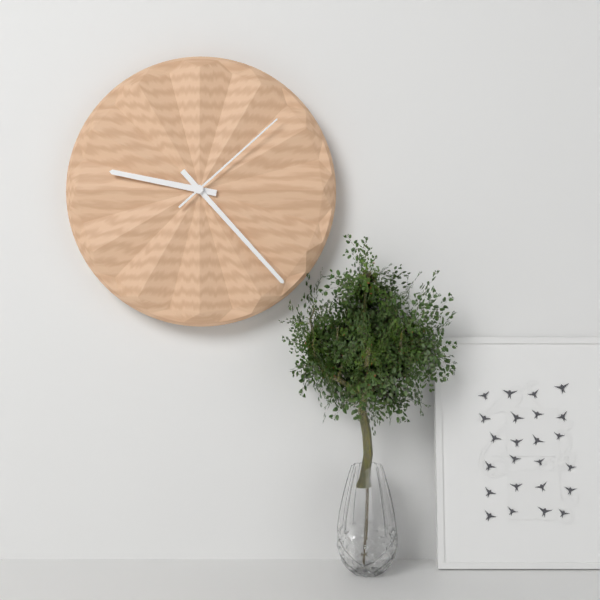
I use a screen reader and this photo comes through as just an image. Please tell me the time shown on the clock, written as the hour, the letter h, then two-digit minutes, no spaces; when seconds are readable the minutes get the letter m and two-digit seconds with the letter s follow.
9h23m08s
